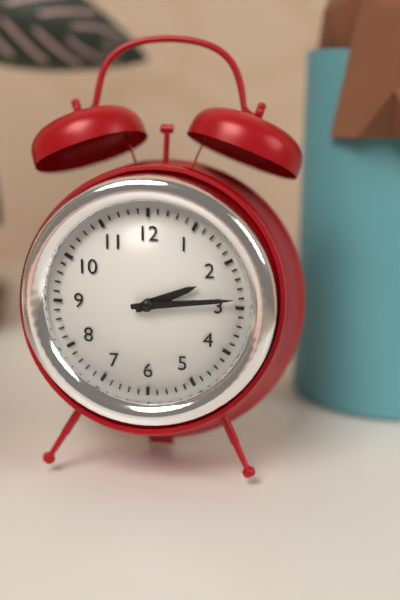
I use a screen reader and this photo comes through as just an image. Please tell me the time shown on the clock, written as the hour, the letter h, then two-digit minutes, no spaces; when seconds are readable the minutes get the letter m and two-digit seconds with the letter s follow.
2h14
